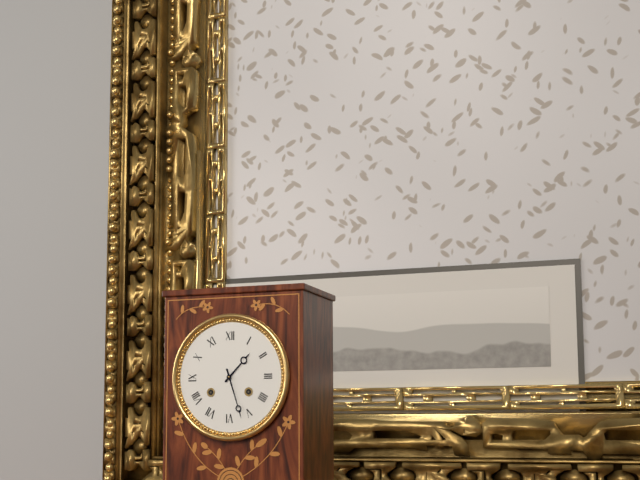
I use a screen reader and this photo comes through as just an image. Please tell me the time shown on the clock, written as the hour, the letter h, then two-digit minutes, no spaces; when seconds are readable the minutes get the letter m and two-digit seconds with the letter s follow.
1h27
